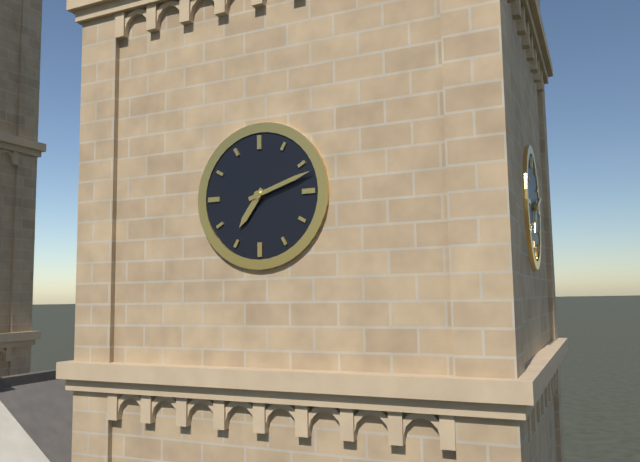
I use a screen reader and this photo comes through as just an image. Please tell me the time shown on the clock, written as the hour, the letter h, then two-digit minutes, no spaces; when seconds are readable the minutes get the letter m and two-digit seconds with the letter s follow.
7h12
